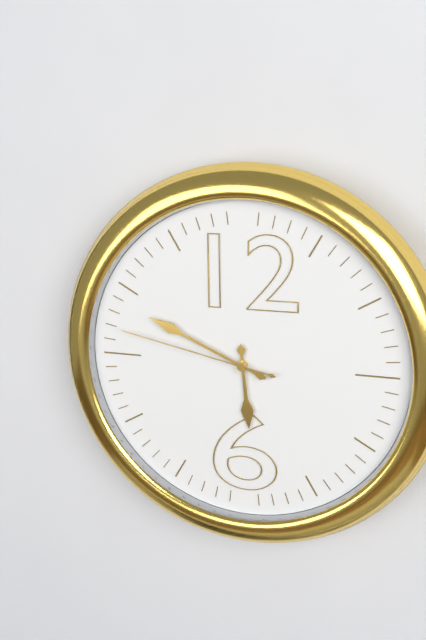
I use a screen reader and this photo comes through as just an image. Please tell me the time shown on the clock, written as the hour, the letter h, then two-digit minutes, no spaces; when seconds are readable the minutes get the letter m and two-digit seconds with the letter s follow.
5h49m47s
